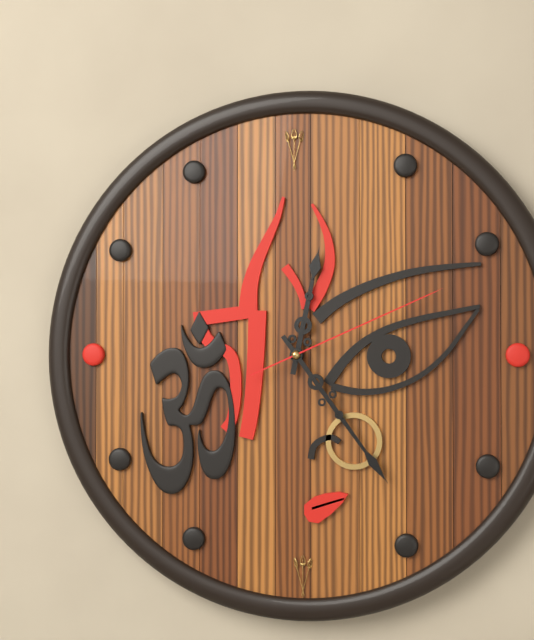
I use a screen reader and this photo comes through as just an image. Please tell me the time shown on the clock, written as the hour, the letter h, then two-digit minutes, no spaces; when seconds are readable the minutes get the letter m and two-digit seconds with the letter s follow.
12h24m11s
